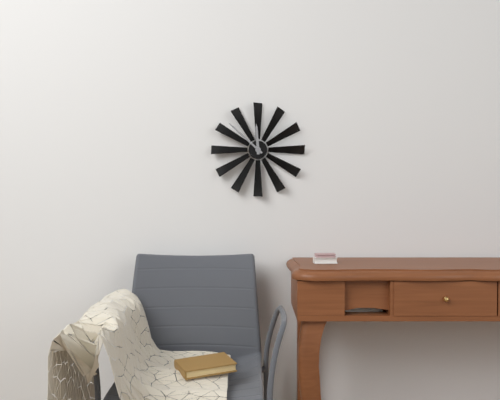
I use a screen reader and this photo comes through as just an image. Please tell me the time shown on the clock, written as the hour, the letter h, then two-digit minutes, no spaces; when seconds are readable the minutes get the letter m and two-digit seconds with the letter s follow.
11h52
